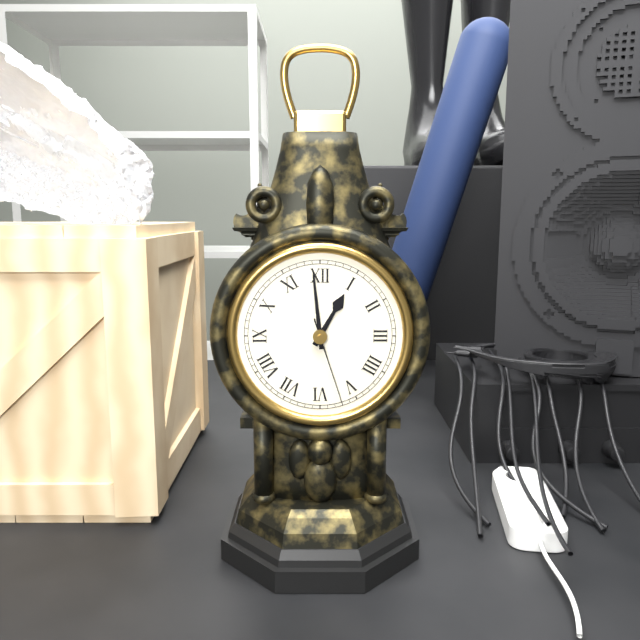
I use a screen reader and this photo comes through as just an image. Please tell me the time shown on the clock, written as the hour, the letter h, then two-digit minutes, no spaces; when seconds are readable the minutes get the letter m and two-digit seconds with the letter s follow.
12h59m27s
